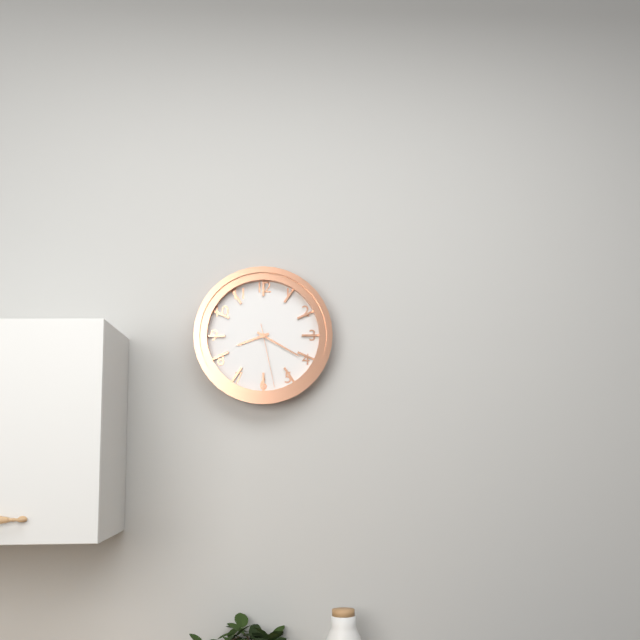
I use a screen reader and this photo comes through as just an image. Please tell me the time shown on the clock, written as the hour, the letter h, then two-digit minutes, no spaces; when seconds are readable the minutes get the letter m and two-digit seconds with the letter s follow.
8h20m28s
